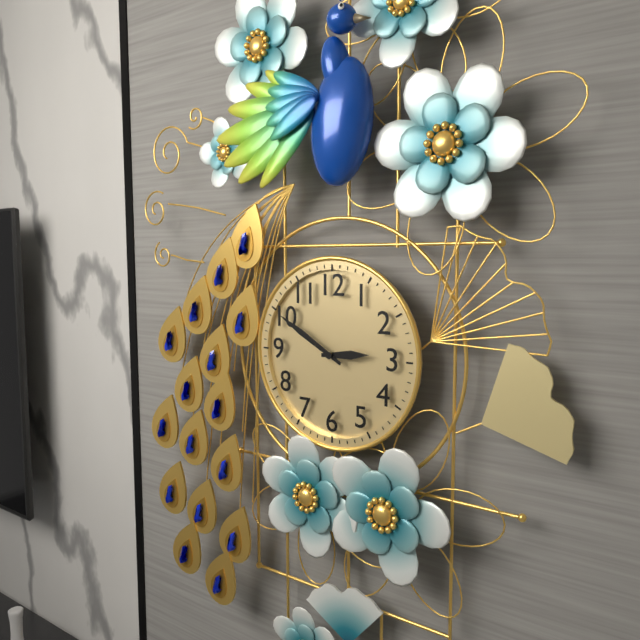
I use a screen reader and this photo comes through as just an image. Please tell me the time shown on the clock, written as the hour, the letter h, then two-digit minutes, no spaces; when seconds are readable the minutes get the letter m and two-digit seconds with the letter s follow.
2h50
